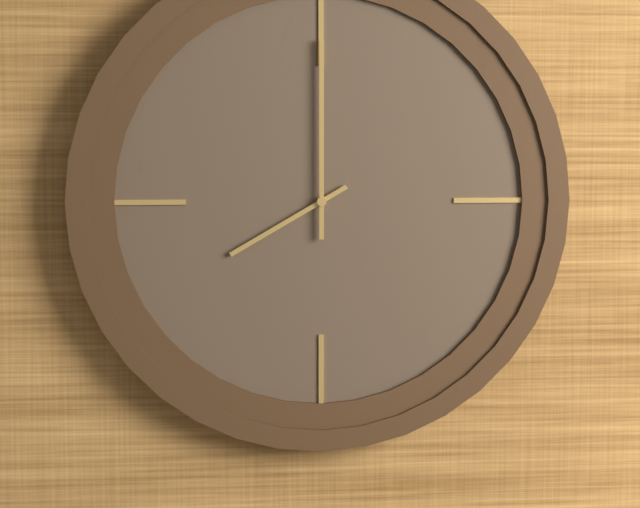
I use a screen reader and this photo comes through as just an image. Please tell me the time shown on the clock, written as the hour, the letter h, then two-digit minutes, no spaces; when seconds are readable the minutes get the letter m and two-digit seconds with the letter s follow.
8h00
